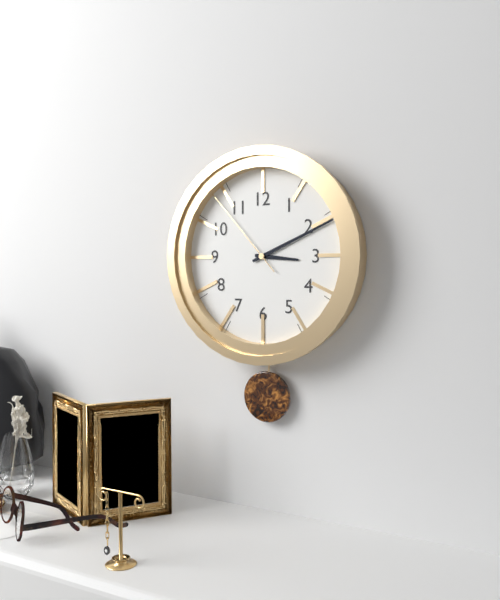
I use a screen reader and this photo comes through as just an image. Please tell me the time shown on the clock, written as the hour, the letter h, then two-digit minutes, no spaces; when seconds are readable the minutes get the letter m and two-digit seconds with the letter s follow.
3h11m53s
